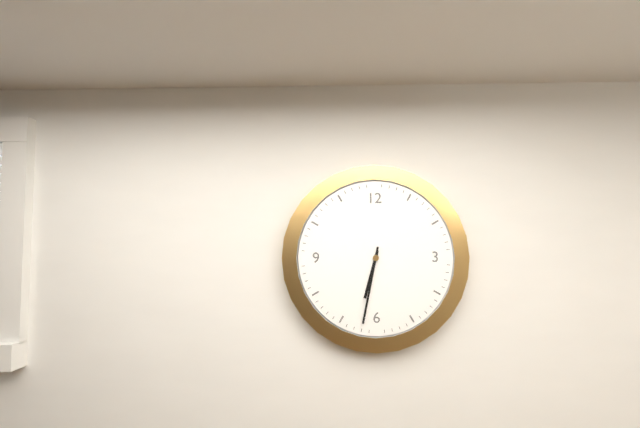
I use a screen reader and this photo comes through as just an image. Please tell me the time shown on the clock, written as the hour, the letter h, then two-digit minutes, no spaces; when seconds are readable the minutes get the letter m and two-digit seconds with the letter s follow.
6h32
